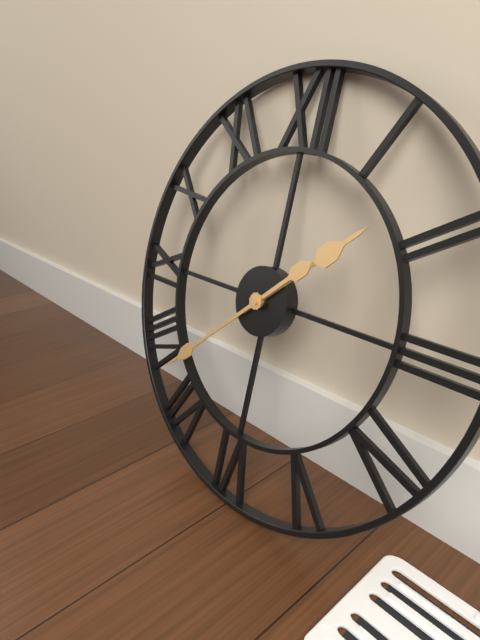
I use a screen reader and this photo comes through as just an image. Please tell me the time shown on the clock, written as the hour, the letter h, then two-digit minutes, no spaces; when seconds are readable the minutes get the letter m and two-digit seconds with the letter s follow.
1h38
